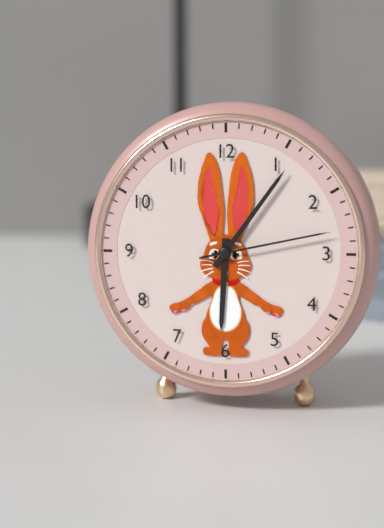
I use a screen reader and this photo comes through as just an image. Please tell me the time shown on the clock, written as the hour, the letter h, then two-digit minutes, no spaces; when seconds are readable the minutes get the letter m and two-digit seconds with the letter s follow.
6h06m13s
